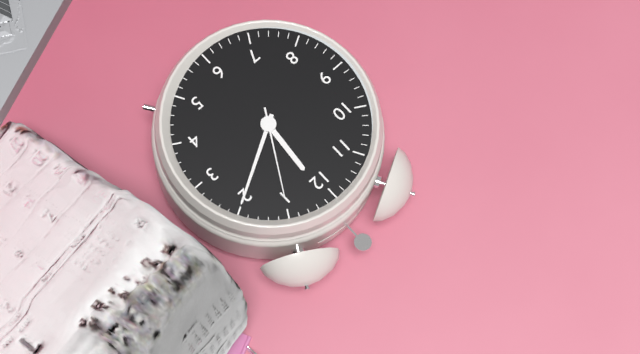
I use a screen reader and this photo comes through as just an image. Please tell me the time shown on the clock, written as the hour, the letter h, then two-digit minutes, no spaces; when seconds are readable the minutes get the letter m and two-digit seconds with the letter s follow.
12h10m05s
